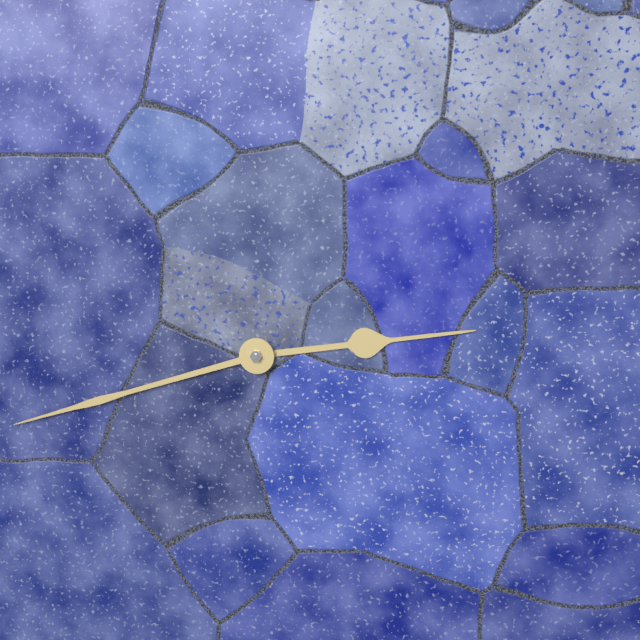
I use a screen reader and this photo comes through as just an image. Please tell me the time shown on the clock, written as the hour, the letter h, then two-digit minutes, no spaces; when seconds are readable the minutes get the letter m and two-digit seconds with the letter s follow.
2h42
